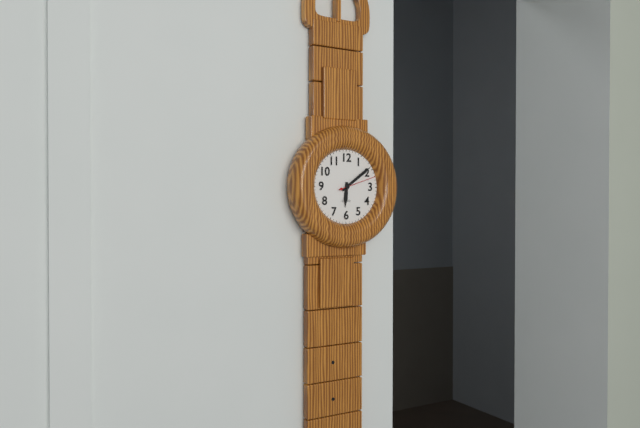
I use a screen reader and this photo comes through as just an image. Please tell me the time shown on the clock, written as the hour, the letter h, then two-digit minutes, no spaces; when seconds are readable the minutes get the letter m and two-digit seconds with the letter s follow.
6h09
